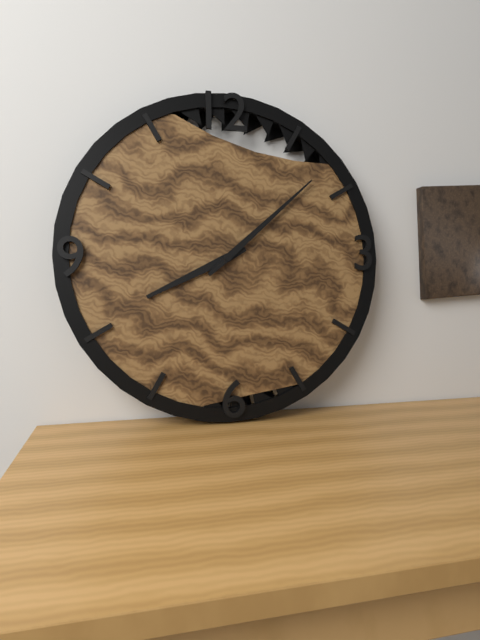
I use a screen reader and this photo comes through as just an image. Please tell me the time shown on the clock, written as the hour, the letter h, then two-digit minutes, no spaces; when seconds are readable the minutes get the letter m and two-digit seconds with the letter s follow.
8h08
